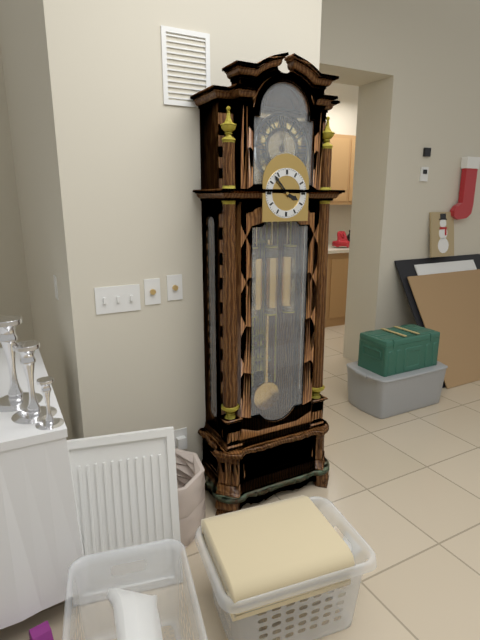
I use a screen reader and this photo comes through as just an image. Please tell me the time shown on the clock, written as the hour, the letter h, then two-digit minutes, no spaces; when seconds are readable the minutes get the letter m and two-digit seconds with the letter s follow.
3h53
